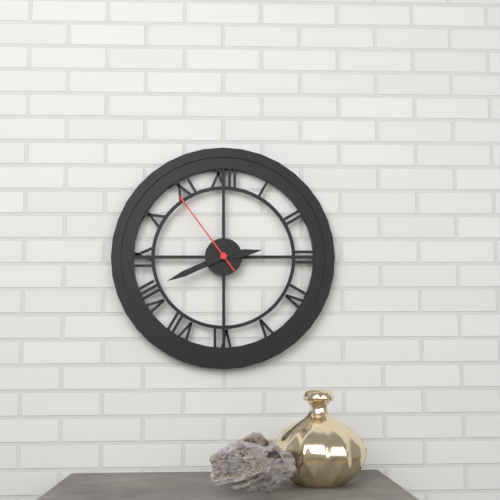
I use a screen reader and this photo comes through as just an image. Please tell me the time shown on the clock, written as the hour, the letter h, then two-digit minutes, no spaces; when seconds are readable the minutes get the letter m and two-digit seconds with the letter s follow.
2h41m54s
